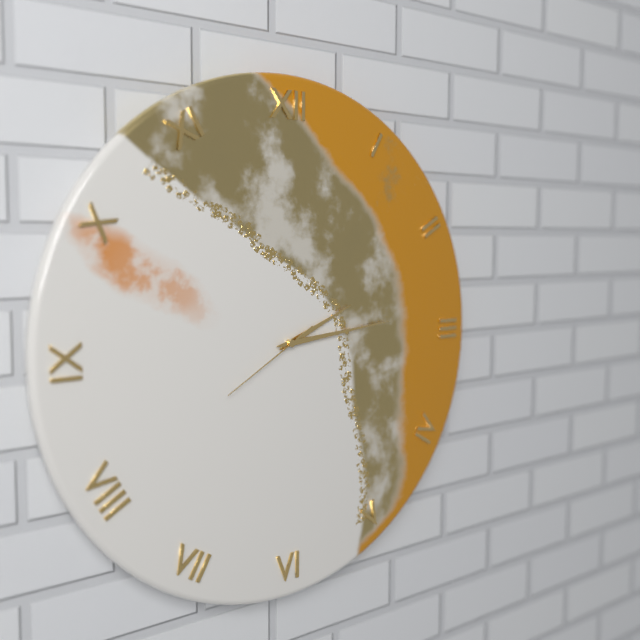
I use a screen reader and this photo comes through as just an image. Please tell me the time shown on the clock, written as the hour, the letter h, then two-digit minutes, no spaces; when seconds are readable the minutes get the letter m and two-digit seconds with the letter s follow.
2h14m40s
